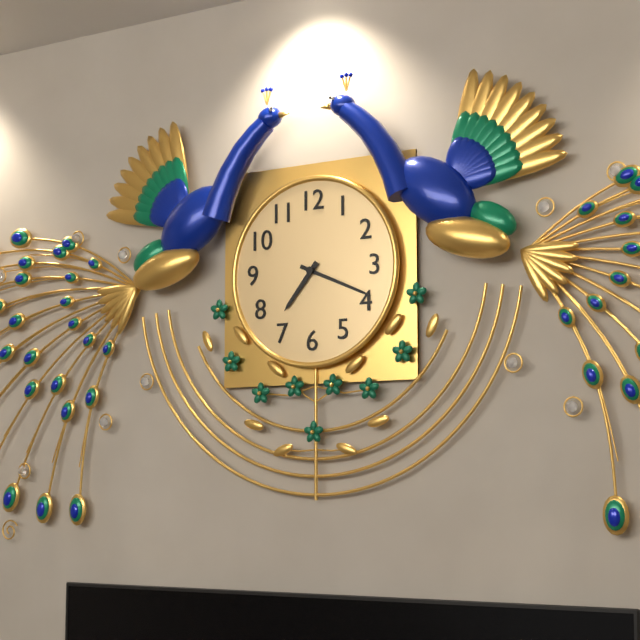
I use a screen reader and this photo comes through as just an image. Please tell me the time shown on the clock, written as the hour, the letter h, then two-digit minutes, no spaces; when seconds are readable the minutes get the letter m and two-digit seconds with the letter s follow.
7h19
